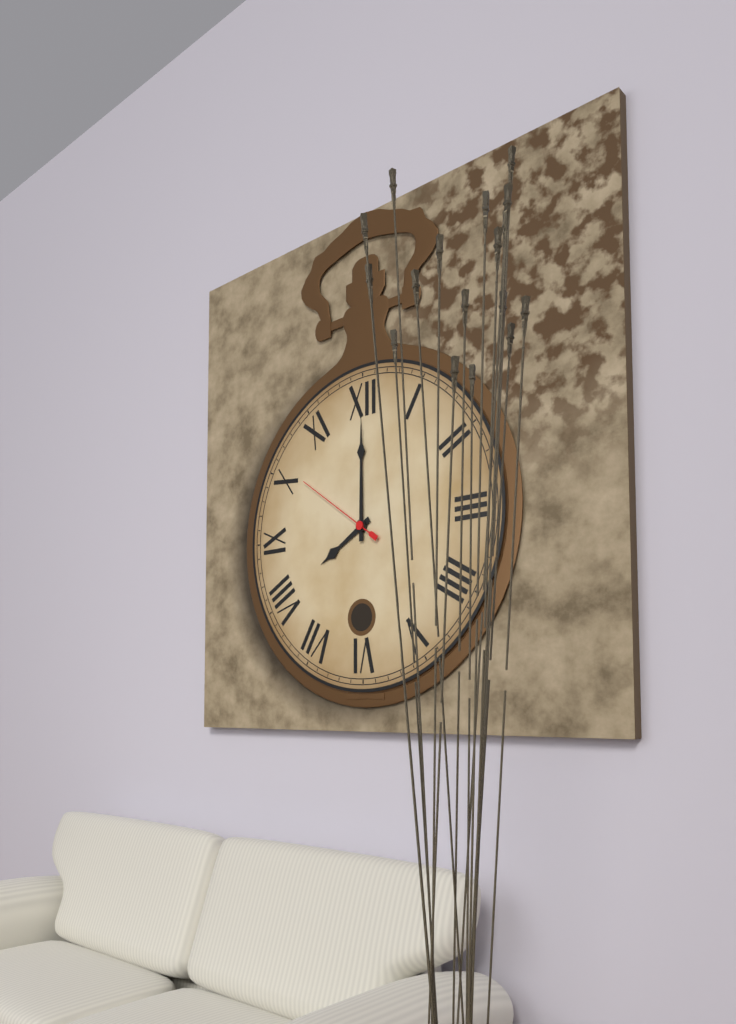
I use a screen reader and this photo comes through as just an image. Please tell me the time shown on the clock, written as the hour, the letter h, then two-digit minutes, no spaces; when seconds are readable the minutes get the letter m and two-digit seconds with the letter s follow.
8h00m51s
